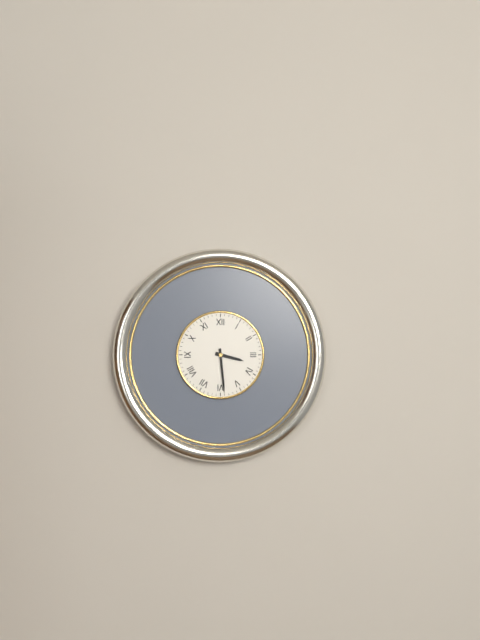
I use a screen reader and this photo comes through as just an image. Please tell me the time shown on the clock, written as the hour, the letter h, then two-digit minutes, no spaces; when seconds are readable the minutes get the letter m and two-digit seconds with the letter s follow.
3h29
